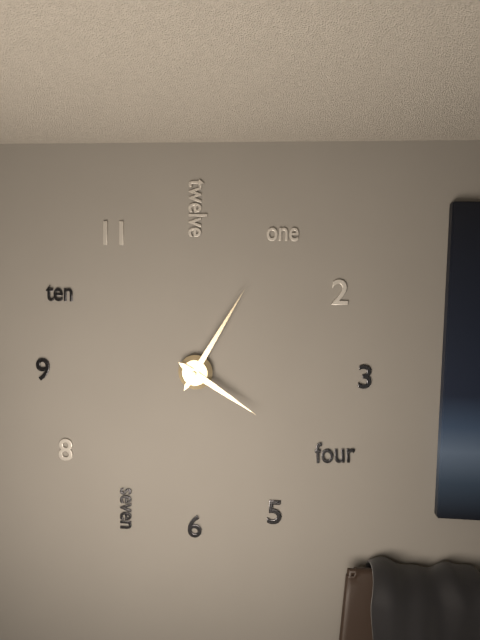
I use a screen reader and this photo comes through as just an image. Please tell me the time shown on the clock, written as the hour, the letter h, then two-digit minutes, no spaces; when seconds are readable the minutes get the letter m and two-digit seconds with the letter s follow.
4h05
